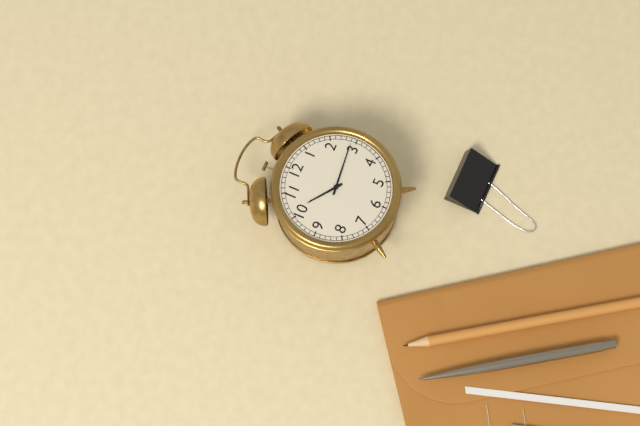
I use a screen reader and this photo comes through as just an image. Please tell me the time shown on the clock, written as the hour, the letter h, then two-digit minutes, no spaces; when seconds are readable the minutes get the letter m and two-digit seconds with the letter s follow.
10h14
